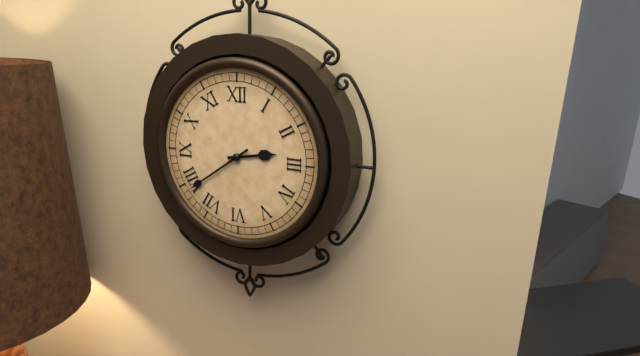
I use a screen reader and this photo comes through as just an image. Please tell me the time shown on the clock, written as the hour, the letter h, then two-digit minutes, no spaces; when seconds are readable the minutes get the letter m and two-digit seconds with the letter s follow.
2h39
